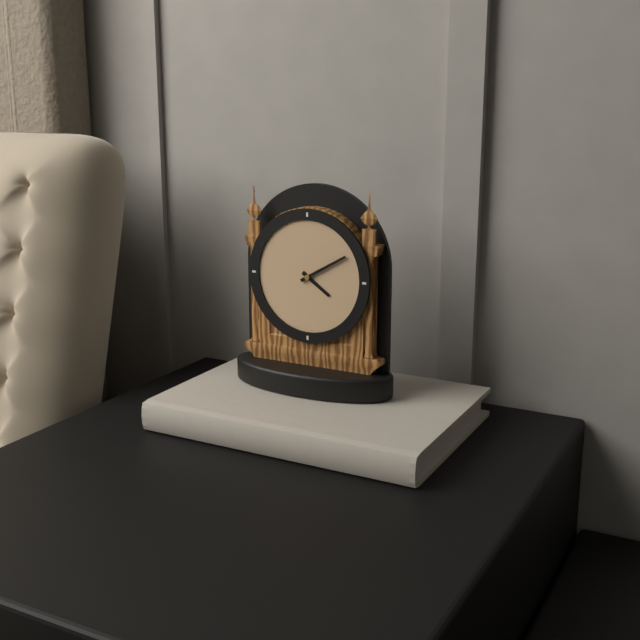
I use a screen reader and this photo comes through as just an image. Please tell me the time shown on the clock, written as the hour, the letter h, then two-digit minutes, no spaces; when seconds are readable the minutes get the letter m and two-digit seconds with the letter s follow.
4h10
